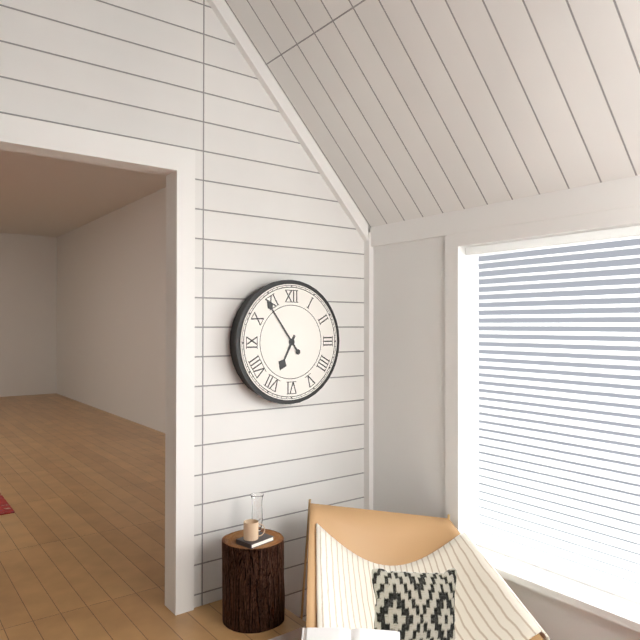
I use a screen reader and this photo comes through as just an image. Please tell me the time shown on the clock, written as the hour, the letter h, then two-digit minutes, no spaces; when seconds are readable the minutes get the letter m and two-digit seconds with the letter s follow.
6h54
